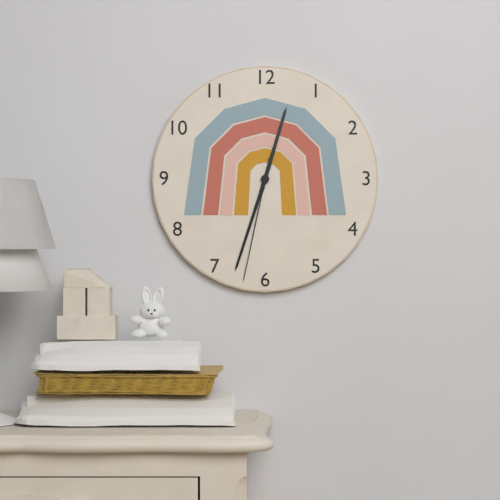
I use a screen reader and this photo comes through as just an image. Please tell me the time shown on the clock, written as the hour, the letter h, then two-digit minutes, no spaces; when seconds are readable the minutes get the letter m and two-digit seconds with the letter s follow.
12h33m32s
